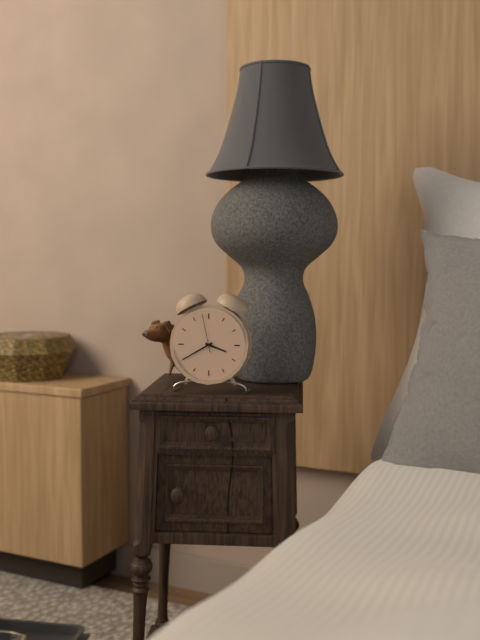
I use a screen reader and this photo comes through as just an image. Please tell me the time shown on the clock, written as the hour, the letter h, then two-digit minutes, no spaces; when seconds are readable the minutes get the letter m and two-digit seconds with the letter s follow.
3h40
